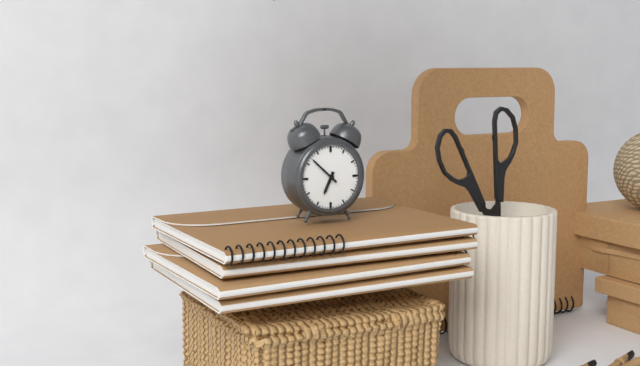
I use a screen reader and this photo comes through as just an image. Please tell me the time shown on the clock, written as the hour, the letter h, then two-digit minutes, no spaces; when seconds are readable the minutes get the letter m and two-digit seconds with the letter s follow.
6h52
